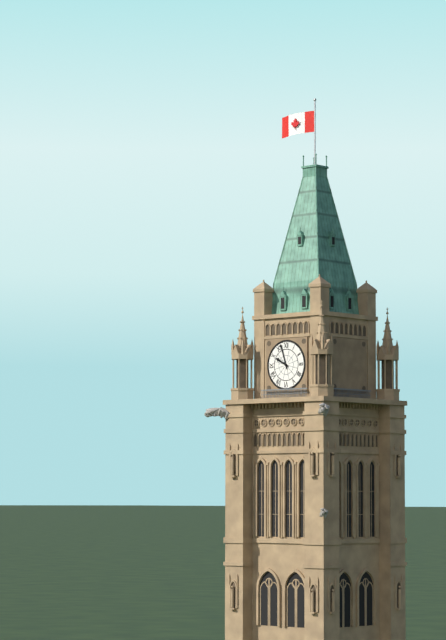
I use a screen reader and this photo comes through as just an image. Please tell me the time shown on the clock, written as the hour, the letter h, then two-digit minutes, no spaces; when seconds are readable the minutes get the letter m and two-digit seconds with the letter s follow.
9h57
